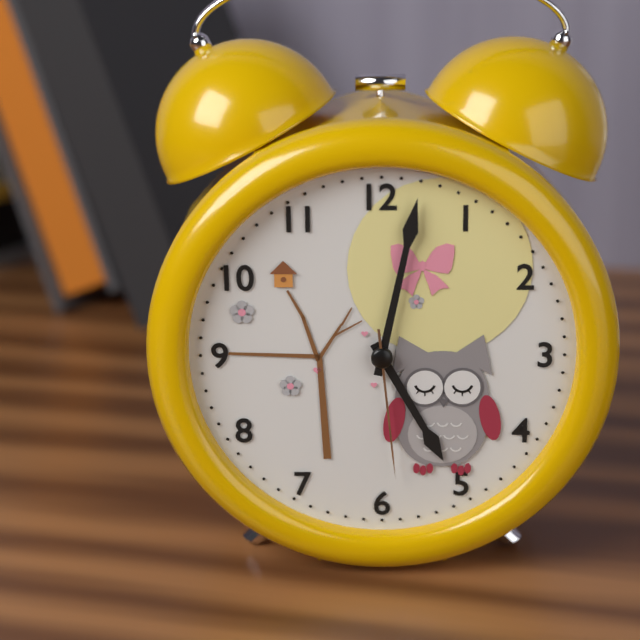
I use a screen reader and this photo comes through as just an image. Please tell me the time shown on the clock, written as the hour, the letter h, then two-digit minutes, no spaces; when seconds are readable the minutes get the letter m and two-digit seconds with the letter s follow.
5h02m29s
